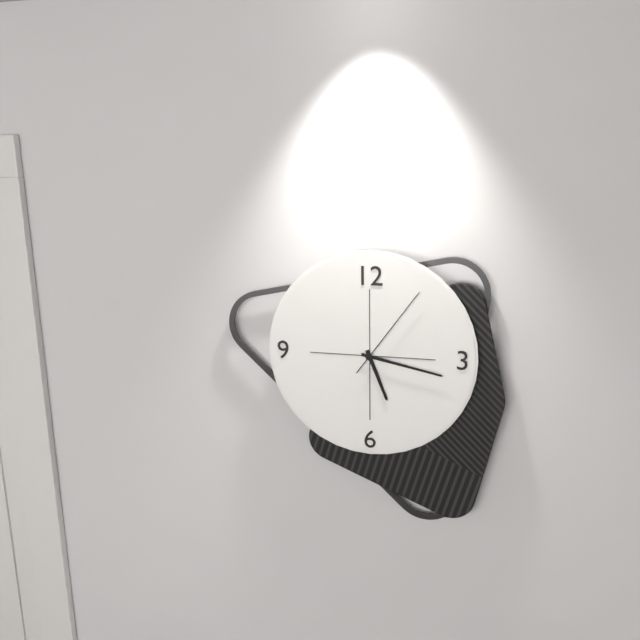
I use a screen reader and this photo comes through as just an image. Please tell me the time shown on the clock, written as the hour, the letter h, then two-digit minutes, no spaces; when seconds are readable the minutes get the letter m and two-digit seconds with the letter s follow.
5h17m06s
